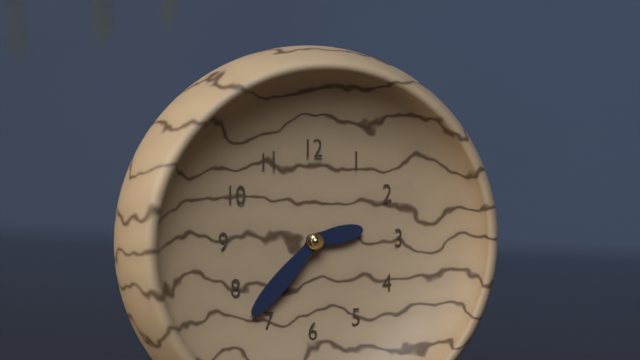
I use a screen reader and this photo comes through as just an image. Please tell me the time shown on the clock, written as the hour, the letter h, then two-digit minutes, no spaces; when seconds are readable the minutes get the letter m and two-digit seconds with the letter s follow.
2h37
